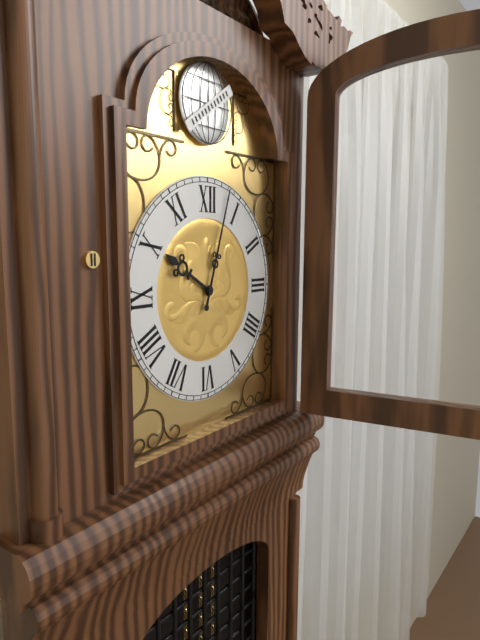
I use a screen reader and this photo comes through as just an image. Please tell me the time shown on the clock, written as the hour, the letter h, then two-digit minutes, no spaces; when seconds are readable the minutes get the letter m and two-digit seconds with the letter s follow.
10h03
